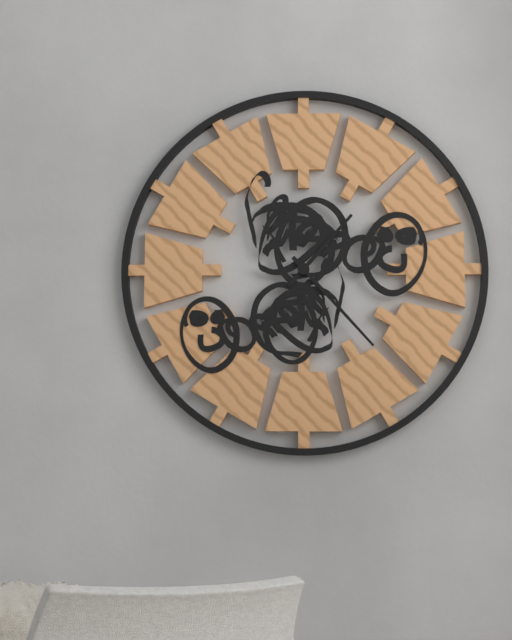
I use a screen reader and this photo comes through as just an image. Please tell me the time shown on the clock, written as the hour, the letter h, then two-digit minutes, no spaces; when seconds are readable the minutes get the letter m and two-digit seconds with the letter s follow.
1h23
